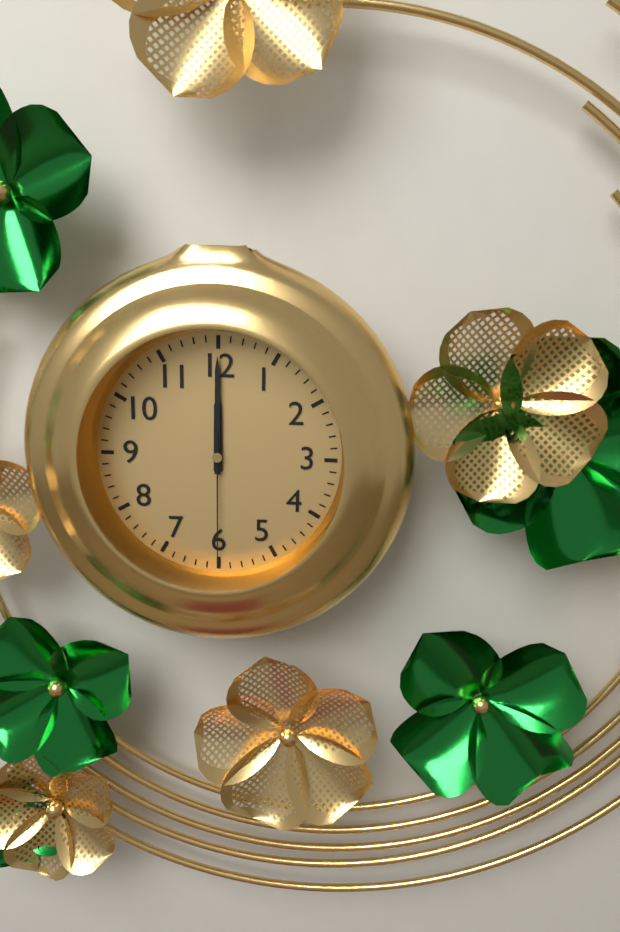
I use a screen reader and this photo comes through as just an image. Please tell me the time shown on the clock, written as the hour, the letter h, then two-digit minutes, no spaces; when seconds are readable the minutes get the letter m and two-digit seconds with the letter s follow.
12h00m30s
